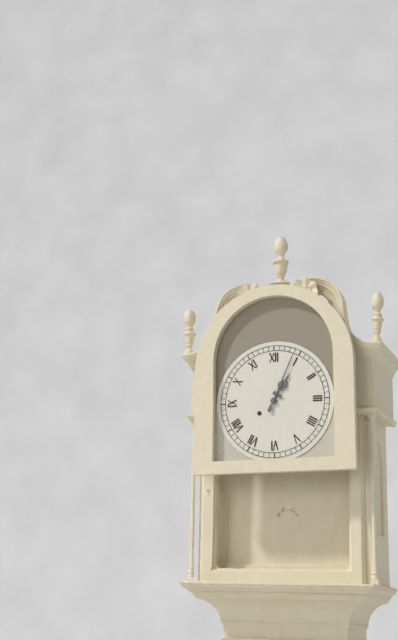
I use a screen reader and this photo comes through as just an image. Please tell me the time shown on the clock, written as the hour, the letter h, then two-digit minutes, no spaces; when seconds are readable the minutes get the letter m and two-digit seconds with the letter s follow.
1h04
